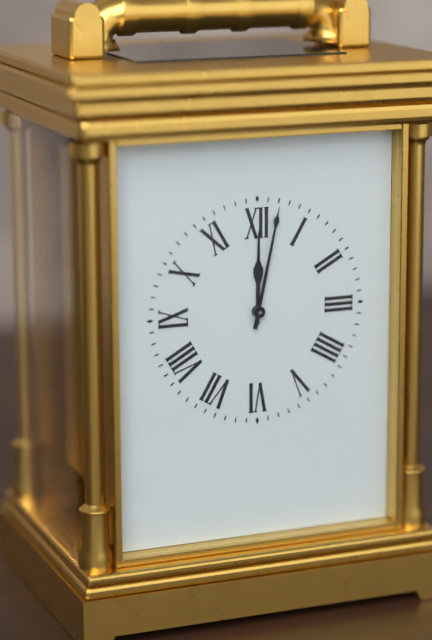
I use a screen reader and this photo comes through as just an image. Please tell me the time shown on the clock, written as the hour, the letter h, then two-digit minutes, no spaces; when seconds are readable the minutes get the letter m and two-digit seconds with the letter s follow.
12h02
